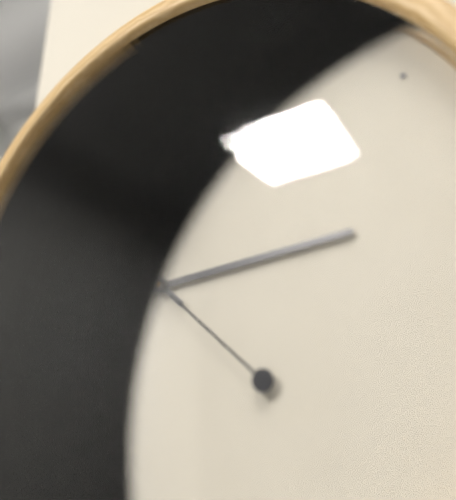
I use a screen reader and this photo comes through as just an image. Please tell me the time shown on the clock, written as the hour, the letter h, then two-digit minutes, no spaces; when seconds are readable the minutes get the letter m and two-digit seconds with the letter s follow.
2h52m52s
